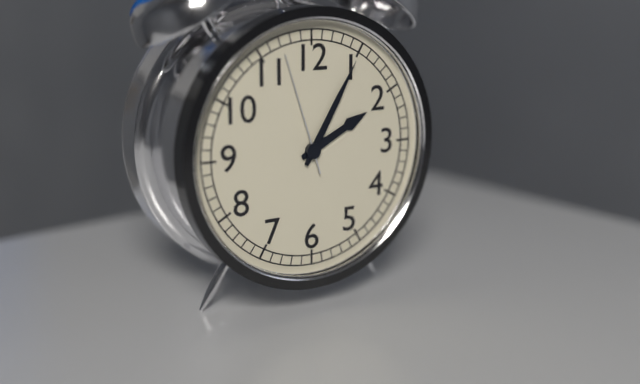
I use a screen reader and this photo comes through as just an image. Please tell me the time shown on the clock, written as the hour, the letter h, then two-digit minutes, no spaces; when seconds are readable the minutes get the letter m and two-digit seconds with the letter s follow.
2h05m57s
